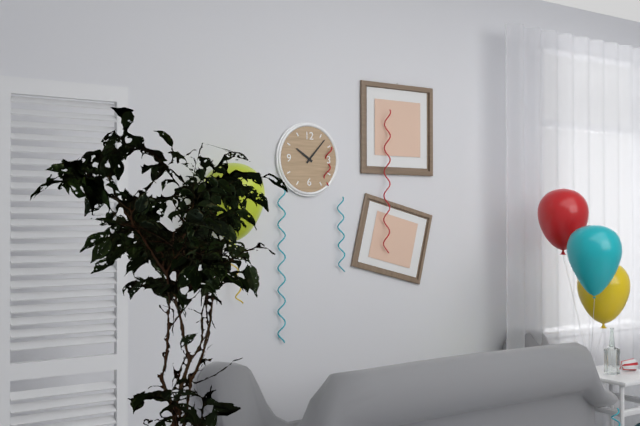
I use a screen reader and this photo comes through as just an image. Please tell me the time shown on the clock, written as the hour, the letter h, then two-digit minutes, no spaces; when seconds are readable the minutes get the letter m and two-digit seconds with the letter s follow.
10h07
